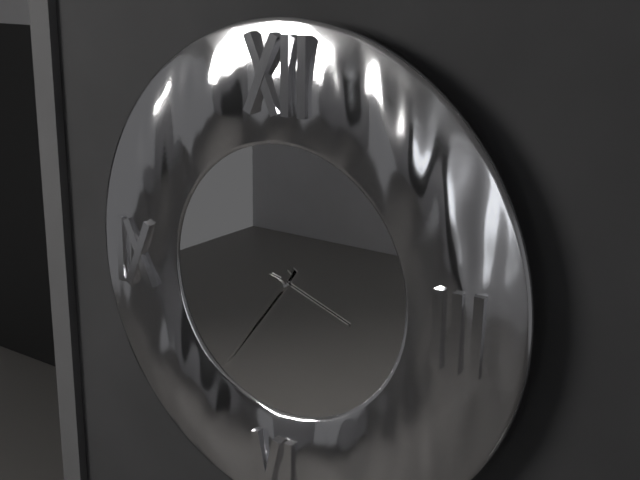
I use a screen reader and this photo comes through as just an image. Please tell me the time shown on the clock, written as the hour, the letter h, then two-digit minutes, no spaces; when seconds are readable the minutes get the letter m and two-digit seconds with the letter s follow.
3h36
